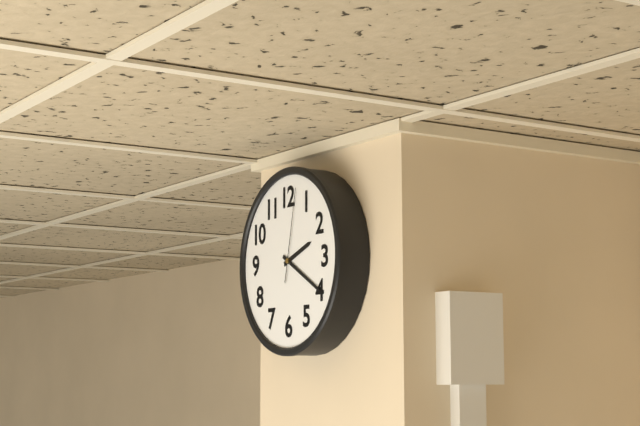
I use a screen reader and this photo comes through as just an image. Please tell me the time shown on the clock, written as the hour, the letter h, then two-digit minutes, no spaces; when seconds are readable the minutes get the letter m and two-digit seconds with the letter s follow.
2h20m02s
